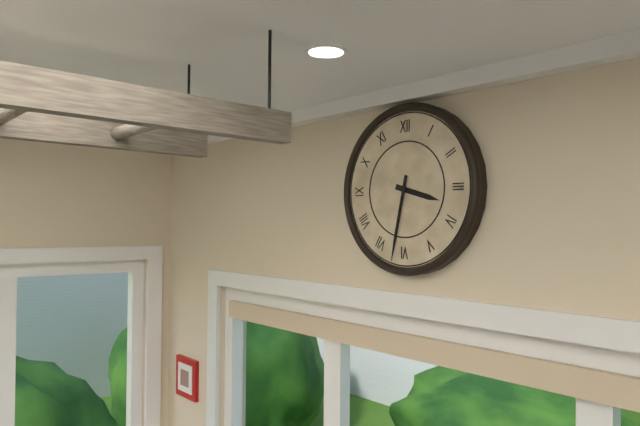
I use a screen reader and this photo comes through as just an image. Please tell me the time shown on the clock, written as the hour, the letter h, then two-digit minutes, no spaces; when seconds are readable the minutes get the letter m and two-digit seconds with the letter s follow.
3h32
